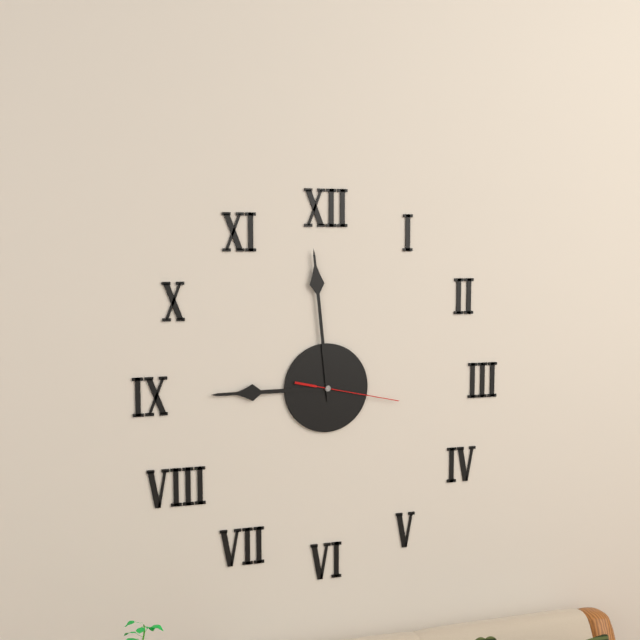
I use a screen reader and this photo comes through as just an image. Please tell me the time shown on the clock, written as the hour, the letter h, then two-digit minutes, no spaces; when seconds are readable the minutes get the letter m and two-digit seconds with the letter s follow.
8h59m17s
